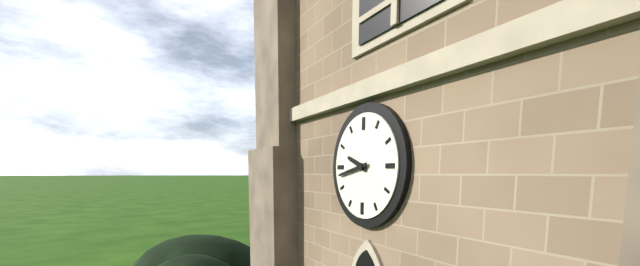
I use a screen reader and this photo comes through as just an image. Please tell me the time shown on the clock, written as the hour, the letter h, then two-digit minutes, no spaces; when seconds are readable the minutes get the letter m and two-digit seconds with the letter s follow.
9h43
